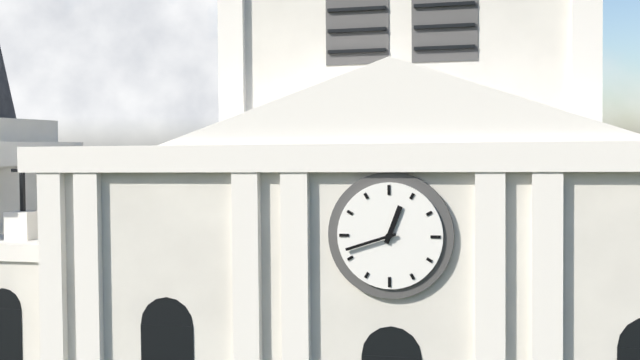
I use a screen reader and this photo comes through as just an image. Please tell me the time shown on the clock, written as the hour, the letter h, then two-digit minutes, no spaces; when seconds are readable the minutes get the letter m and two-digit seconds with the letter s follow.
12h42
